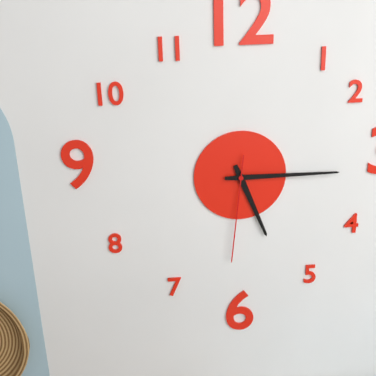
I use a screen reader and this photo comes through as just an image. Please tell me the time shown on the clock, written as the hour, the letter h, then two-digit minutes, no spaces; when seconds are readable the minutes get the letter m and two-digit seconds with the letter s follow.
5h15m31s
